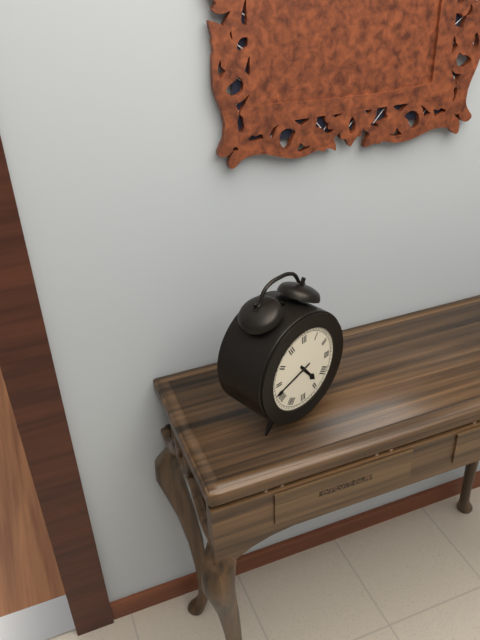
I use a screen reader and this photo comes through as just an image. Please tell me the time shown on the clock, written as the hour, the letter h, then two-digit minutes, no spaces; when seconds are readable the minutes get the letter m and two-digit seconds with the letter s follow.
4h42
